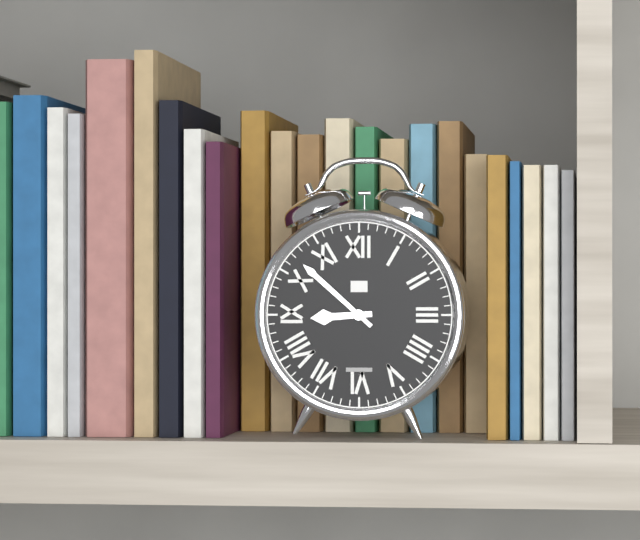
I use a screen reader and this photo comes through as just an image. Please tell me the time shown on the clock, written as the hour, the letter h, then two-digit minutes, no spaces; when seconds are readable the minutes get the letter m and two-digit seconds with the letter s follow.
8h52
